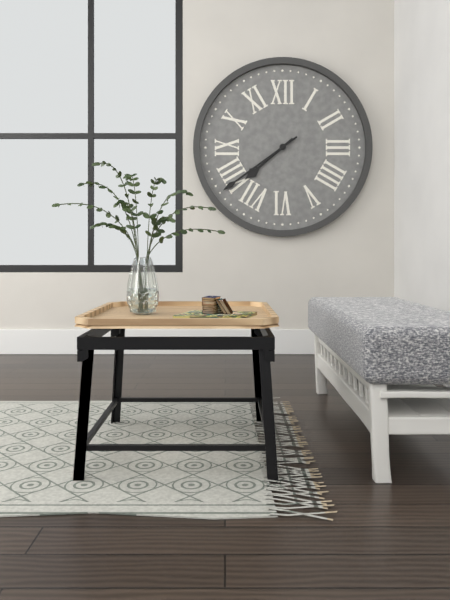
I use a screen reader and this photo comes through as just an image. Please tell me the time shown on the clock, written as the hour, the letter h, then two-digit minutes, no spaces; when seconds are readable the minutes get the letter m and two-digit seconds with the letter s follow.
7h39
